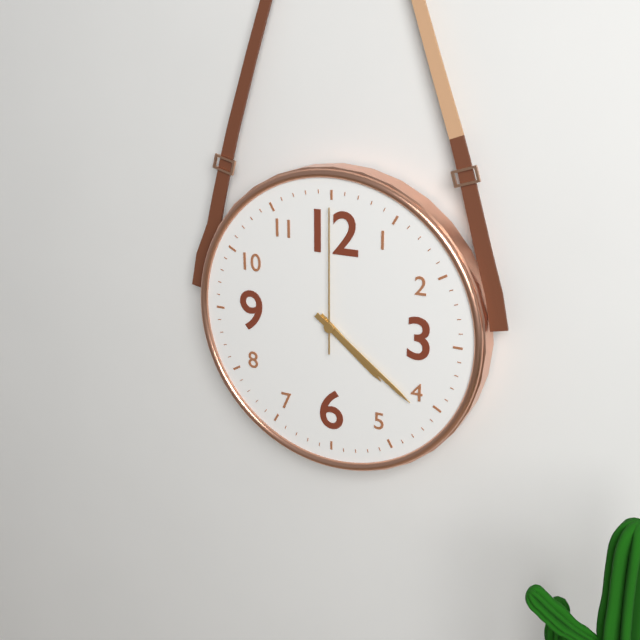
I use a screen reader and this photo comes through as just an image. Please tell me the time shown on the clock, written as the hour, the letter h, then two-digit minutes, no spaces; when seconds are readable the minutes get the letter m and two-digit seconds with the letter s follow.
4h21m00s
